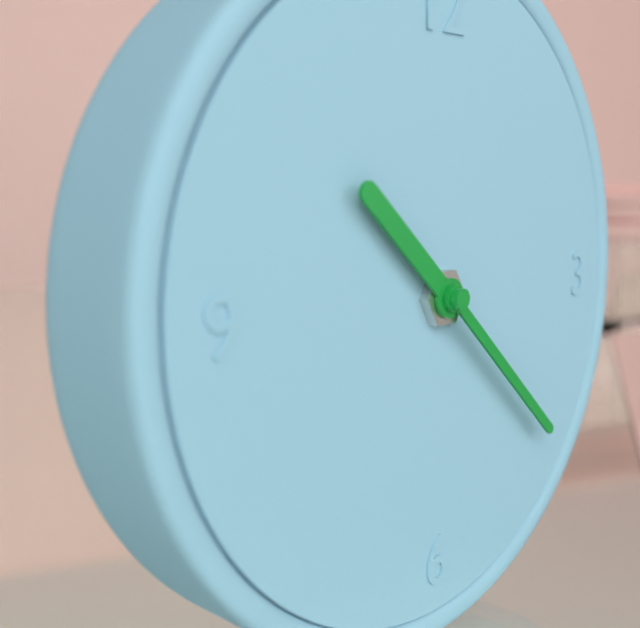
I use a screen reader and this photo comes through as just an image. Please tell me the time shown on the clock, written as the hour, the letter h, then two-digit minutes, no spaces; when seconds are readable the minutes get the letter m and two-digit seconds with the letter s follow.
10h22
